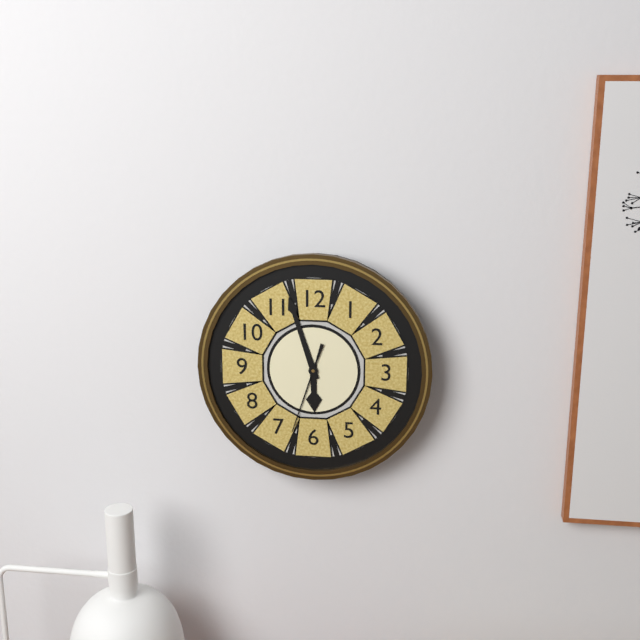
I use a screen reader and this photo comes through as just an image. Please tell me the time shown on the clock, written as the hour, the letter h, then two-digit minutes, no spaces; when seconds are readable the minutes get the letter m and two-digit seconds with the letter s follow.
5h57m33s
